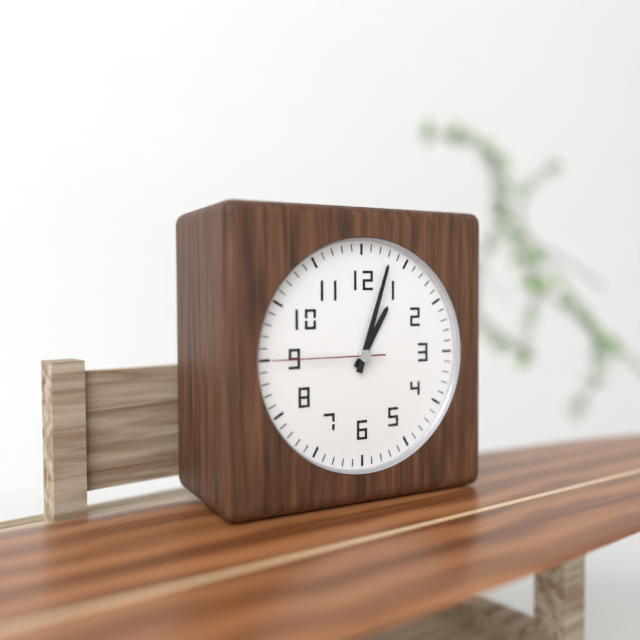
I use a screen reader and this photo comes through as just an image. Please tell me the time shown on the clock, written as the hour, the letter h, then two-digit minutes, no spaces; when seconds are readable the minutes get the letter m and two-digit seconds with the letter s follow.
1h03m45s
